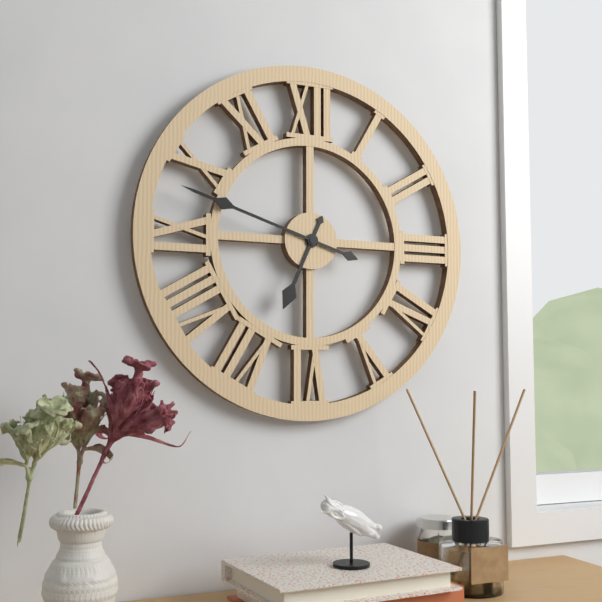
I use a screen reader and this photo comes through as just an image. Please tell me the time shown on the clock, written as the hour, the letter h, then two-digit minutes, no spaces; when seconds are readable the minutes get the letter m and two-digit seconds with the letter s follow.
6h48
